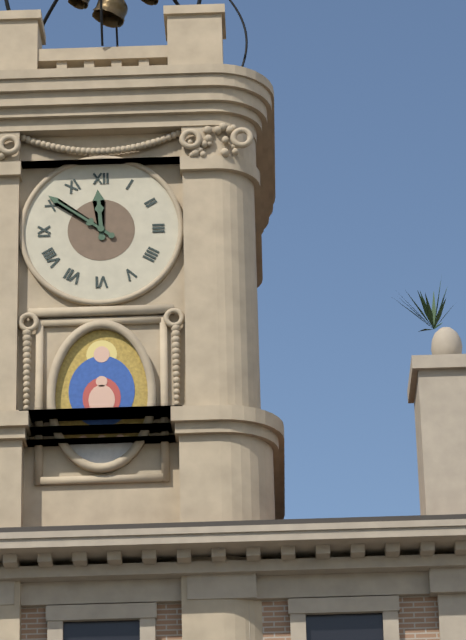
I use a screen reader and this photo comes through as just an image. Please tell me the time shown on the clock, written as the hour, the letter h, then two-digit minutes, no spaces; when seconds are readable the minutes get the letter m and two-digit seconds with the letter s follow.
11h51
